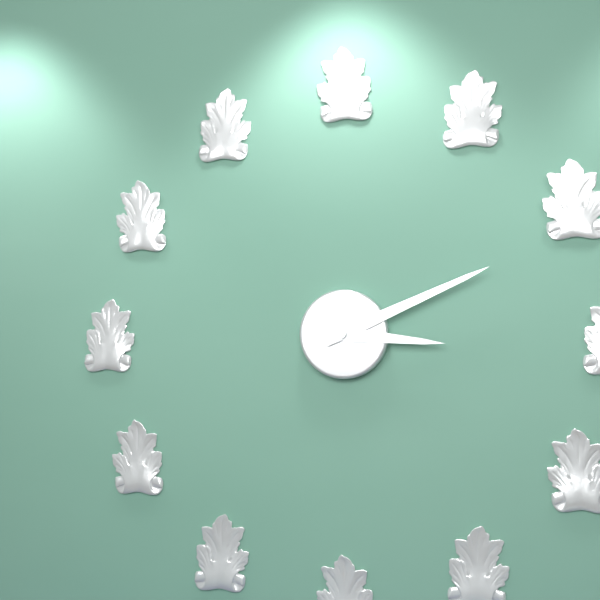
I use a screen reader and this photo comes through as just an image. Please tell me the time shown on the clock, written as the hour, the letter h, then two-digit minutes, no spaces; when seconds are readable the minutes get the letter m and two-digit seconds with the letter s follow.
3h11
